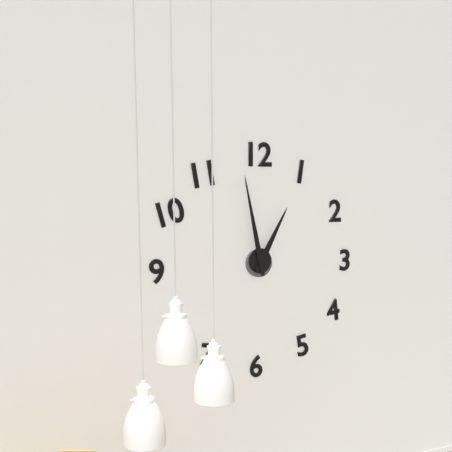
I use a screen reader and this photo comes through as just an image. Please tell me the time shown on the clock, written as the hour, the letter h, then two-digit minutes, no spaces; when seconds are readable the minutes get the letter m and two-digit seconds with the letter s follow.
12h58
